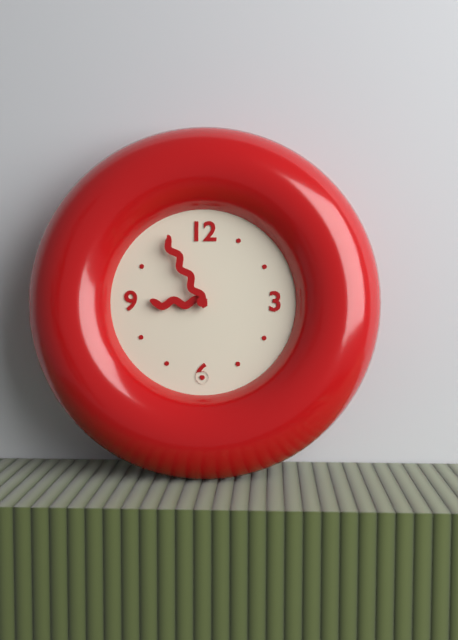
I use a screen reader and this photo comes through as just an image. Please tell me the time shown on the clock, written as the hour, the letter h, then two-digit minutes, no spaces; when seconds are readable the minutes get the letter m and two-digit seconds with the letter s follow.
8h55
